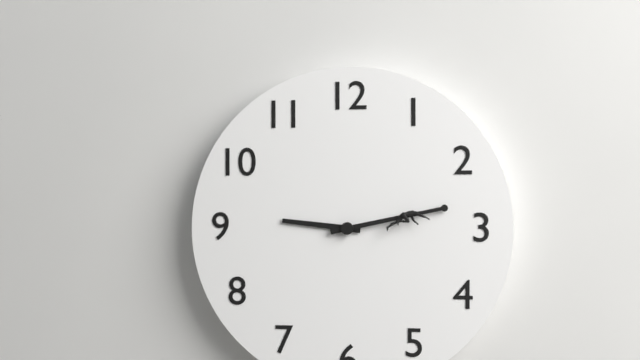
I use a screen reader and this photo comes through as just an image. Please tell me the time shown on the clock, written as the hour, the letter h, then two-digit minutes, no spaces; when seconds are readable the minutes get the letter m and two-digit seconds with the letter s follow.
9h13
